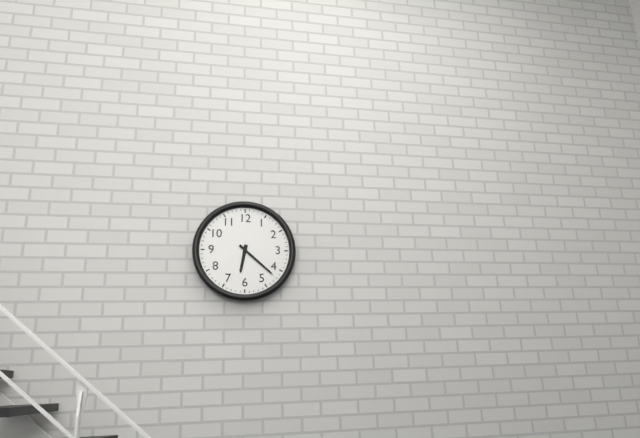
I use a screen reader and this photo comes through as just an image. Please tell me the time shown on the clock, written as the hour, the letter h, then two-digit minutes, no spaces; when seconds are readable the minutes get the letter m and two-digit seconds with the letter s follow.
6h22
